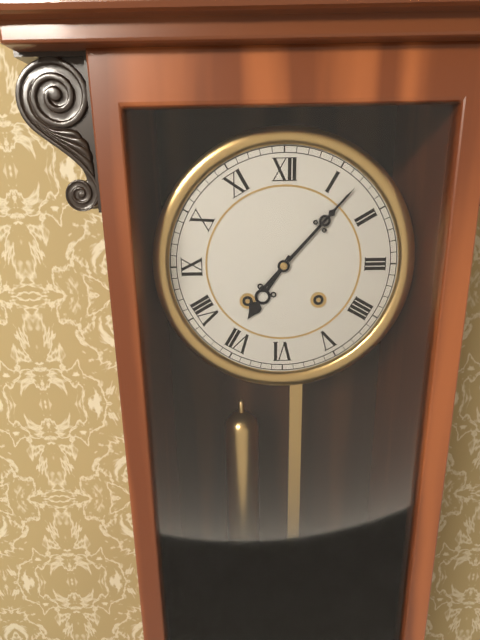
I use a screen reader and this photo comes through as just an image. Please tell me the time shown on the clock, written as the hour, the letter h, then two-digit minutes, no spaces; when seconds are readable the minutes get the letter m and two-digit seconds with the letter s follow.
7h07
